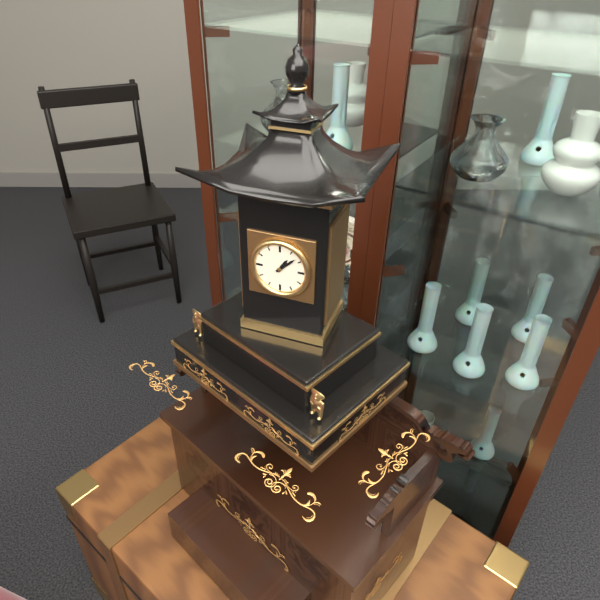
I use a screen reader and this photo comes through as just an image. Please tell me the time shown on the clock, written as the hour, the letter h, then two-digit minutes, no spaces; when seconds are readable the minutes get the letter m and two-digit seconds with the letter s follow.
1h08
